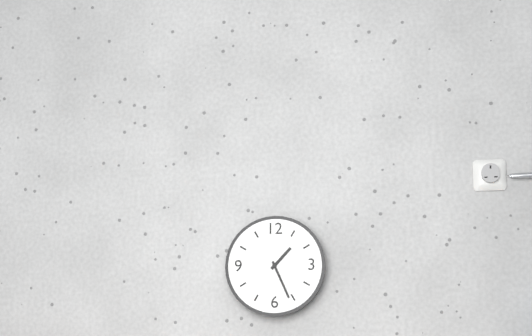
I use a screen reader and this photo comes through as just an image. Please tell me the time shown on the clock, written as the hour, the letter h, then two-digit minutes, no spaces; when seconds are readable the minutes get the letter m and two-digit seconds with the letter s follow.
1h26
